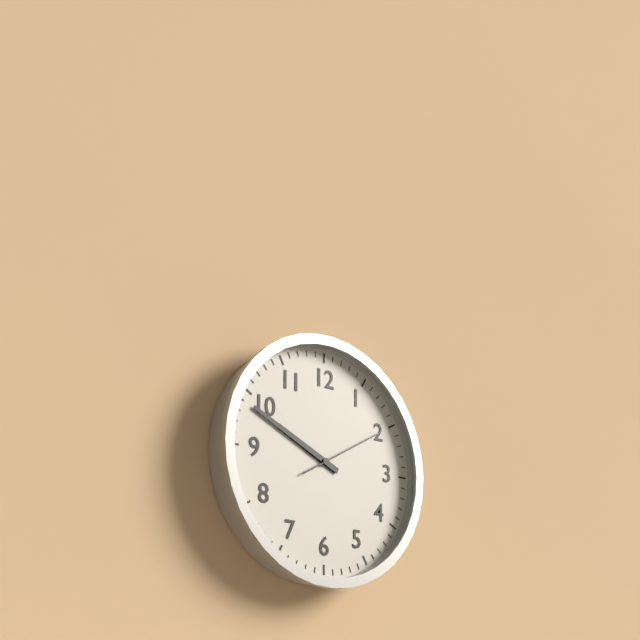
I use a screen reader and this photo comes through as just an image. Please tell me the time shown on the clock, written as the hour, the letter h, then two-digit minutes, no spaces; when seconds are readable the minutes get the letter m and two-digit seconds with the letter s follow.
9h49m10s
